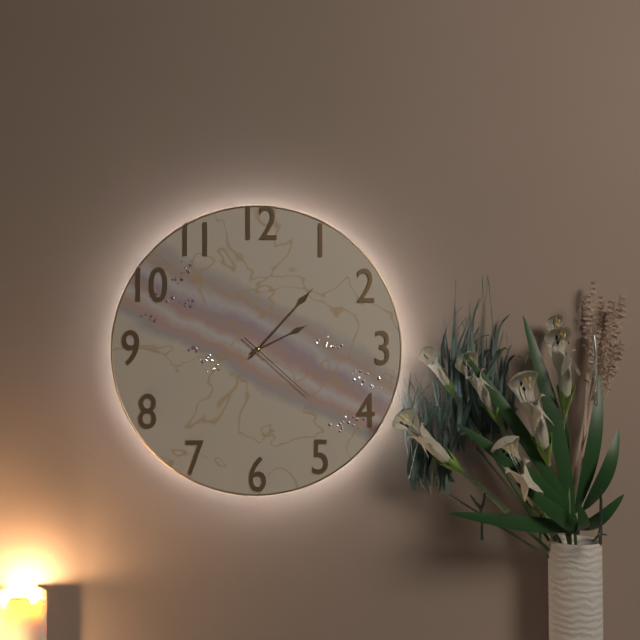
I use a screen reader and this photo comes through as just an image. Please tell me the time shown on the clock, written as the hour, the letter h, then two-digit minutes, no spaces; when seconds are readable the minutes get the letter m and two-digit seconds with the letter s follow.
2h07m22s
